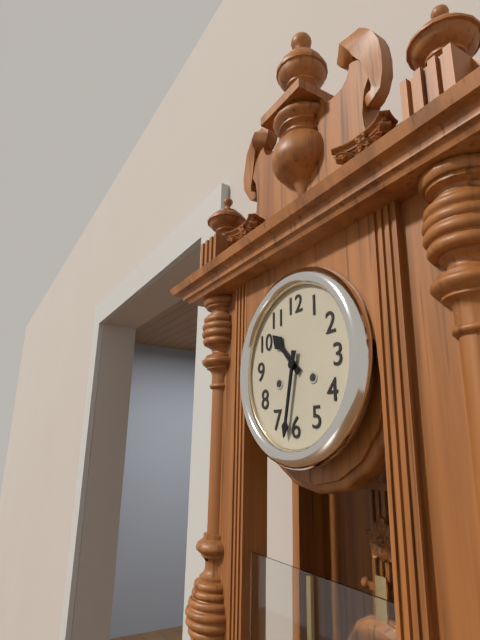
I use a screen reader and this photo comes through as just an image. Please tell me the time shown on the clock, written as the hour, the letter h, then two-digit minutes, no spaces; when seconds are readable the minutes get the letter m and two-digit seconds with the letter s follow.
10h32
